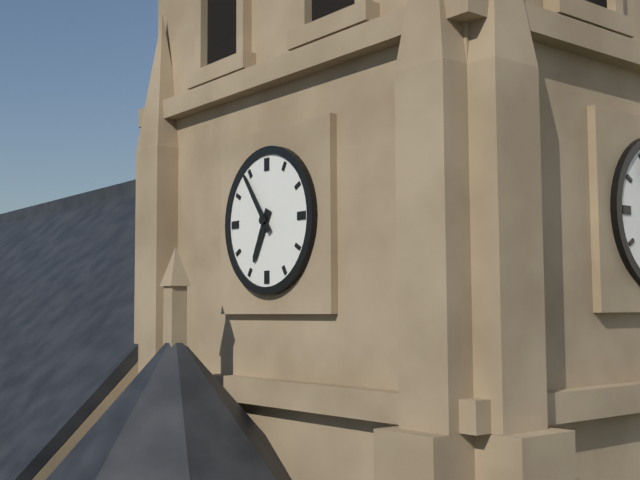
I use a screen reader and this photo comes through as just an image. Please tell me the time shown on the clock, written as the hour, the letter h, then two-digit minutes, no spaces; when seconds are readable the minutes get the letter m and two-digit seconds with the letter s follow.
6h54
